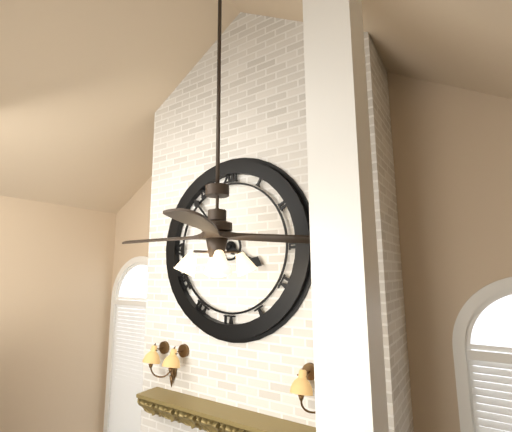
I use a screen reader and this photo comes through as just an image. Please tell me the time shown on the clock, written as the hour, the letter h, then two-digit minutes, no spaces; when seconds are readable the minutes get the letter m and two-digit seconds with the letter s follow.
3h53
